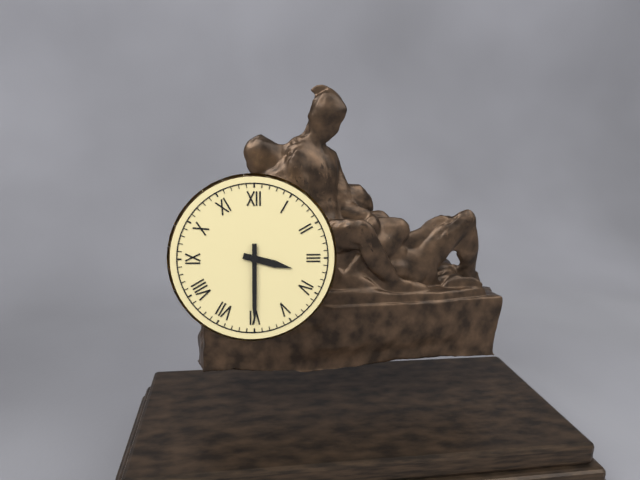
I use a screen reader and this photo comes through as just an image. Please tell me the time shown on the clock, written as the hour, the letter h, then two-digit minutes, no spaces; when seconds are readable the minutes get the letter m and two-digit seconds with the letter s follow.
3h30
